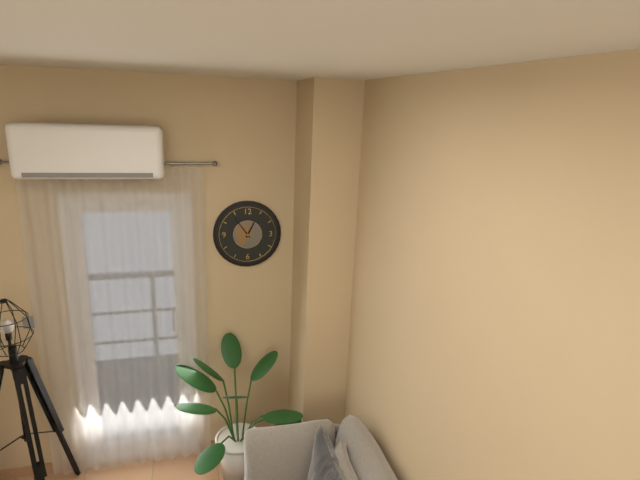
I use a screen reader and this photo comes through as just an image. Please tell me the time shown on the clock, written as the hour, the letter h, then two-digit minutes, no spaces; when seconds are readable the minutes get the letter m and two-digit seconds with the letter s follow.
12h54
